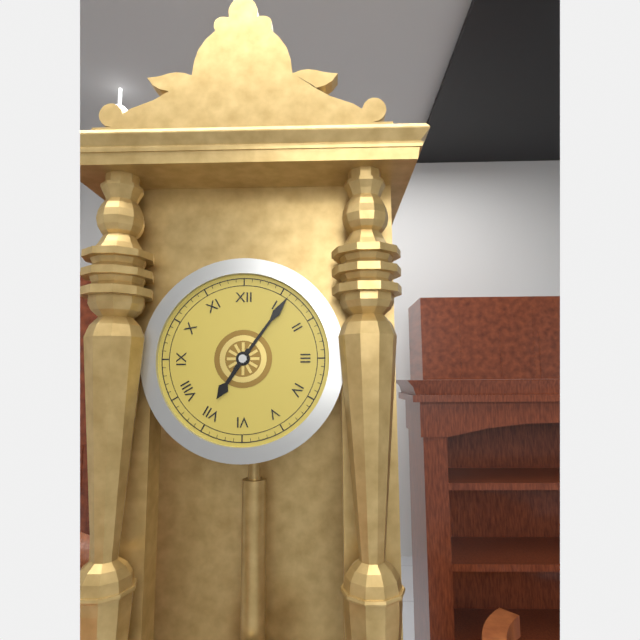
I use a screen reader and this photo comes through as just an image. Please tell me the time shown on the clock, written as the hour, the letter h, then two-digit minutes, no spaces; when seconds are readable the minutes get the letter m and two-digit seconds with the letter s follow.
7h06
